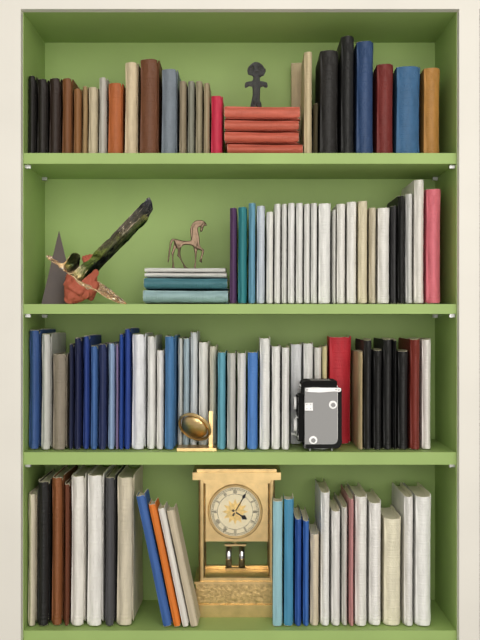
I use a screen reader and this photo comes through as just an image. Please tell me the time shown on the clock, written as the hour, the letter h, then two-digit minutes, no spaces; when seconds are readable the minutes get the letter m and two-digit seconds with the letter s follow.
4h05
